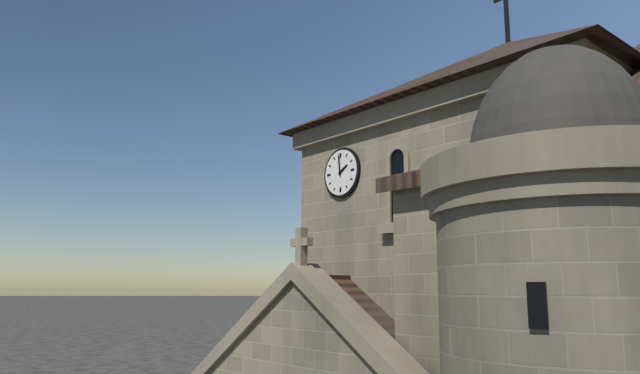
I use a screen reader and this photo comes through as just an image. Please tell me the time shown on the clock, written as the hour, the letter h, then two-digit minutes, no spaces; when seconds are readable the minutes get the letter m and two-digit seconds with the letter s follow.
1h59
